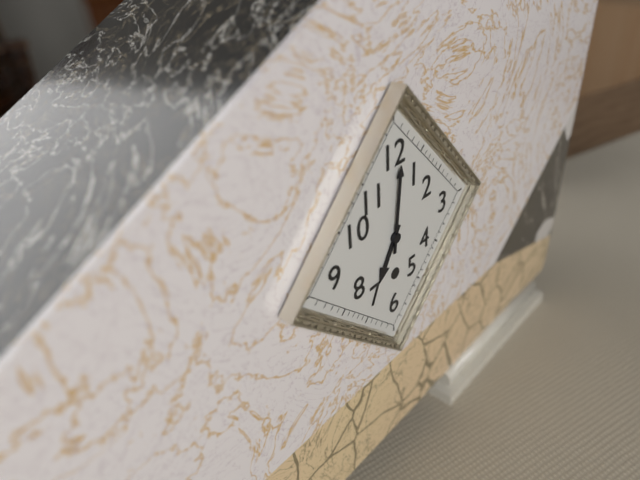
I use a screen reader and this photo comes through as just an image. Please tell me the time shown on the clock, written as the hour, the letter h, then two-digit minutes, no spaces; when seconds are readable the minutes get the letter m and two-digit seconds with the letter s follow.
7h01
